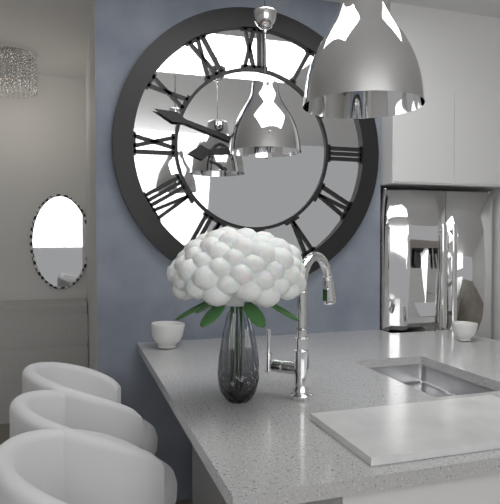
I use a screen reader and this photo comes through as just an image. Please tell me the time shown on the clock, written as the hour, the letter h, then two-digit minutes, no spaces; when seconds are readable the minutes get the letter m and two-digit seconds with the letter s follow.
8h48
